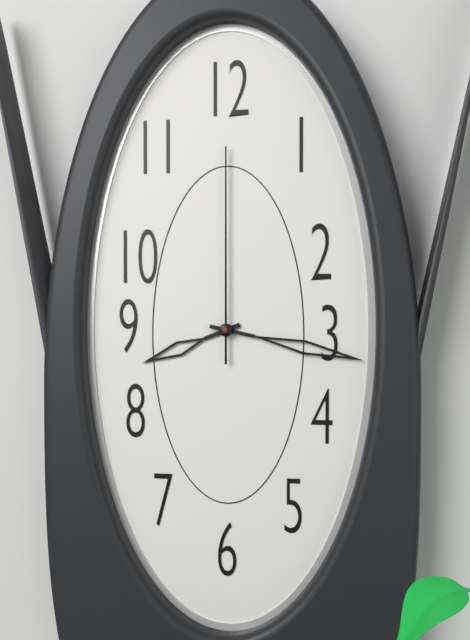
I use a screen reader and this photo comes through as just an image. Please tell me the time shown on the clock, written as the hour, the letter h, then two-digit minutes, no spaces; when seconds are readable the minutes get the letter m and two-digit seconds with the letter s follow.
8h17m00s
